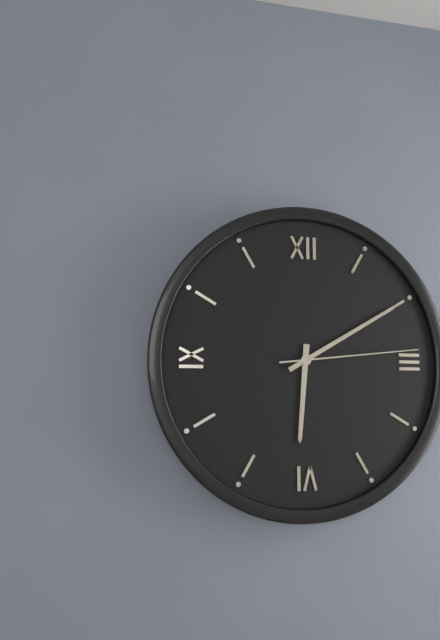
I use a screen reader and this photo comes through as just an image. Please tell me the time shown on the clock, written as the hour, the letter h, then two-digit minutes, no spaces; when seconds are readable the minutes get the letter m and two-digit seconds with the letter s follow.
6h10m14s
